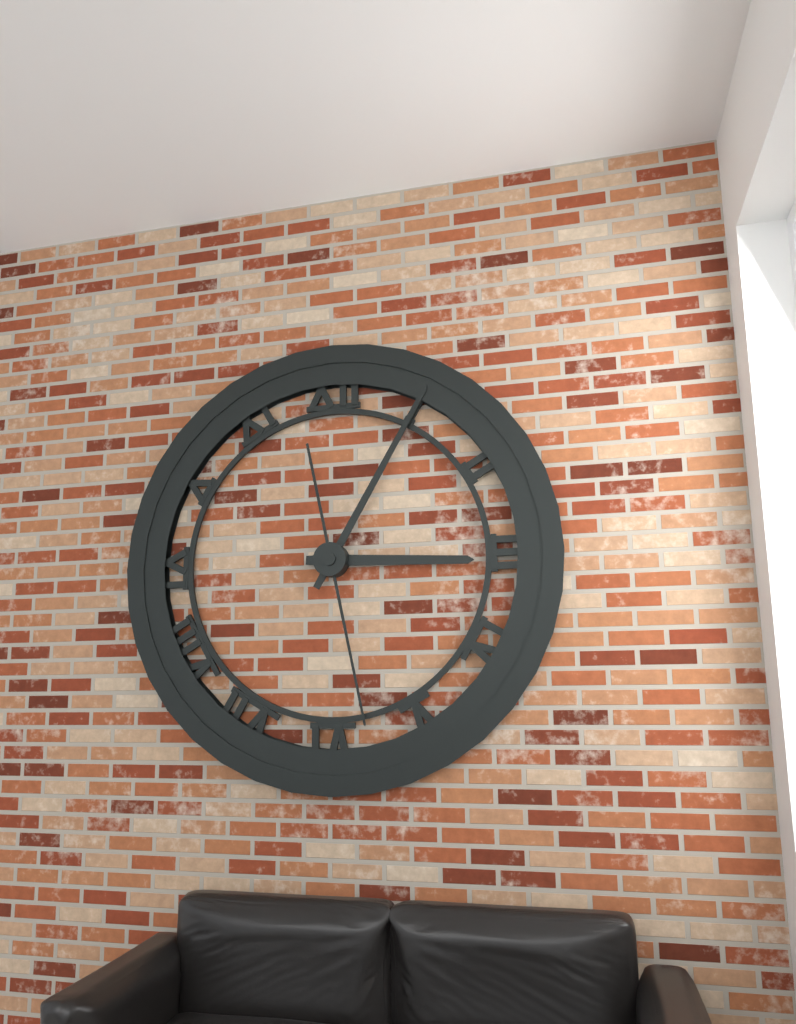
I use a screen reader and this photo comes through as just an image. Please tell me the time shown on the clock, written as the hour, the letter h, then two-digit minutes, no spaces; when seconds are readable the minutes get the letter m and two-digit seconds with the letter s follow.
3h05m28s
